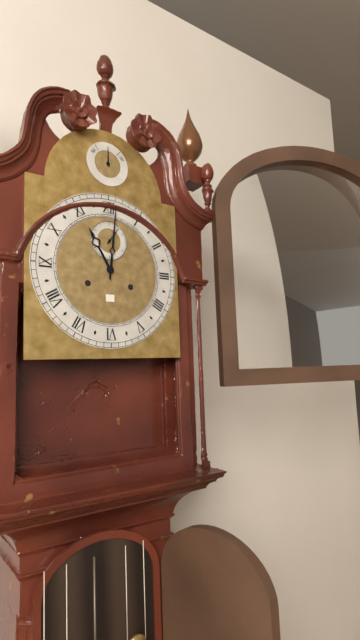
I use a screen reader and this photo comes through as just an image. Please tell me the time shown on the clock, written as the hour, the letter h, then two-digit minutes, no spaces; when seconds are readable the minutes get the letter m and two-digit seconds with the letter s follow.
11h01
